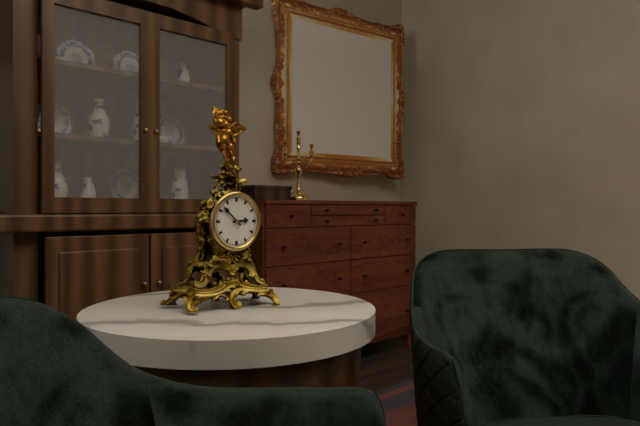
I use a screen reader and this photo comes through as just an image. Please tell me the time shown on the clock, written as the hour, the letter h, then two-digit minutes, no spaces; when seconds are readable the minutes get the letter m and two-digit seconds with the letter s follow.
2h52
